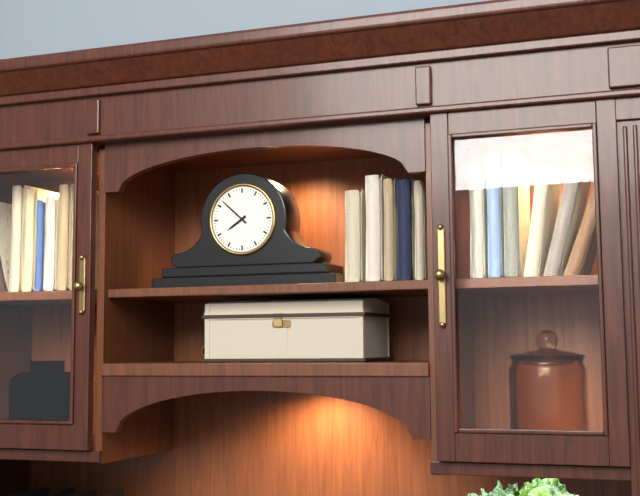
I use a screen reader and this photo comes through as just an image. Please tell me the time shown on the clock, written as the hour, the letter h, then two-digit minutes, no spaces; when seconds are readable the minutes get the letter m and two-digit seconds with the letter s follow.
7h52
